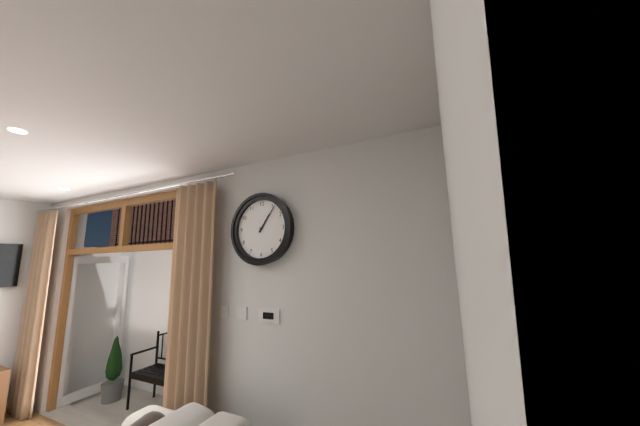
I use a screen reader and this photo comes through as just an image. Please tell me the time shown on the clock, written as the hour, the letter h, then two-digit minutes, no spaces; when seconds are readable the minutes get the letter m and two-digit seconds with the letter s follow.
1h06
